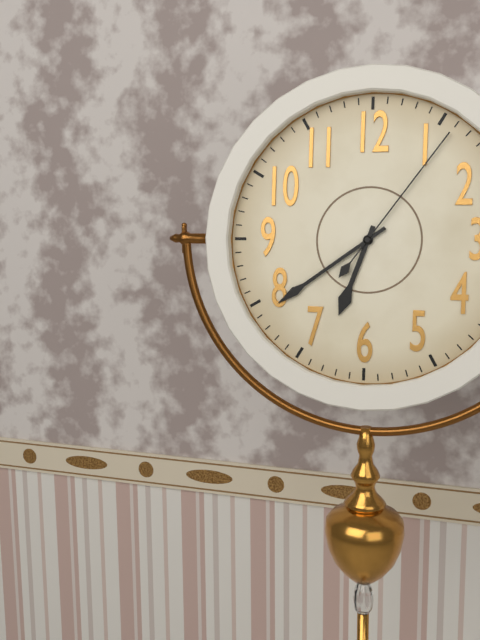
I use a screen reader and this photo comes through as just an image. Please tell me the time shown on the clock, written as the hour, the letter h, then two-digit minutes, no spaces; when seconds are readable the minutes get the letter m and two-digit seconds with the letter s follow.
6h39m06s
